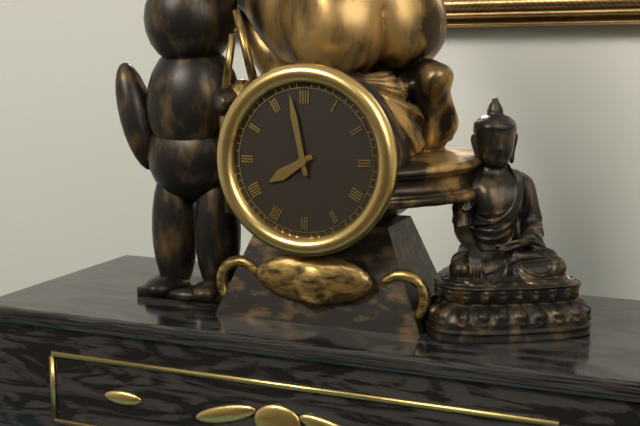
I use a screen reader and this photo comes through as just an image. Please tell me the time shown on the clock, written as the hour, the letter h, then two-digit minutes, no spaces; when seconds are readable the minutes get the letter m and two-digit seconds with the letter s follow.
7h58
